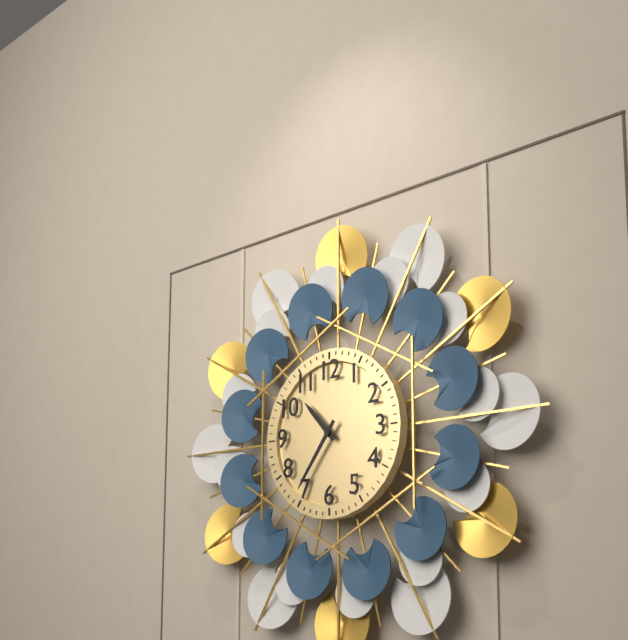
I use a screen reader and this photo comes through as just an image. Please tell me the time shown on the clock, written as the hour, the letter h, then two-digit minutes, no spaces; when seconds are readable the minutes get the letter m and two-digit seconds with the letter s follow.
10h36
